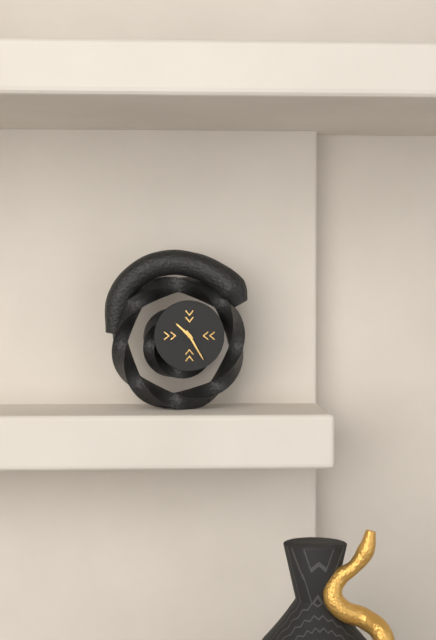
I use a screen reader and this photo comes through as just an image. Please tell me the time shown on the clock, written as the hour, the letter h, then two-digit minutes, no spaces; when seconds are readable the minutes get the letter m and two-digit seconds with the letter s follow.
10h25
